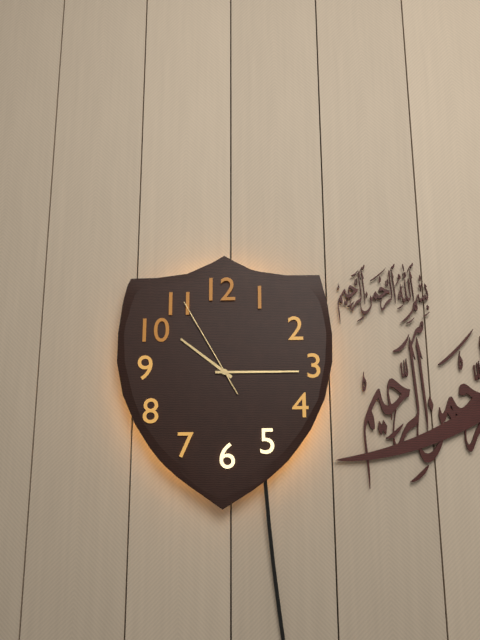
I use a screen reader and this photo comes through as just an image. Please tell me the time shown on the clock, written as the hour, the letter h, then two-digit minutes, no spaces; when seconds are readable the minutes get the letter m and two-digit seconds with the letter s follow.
10h15m55s
